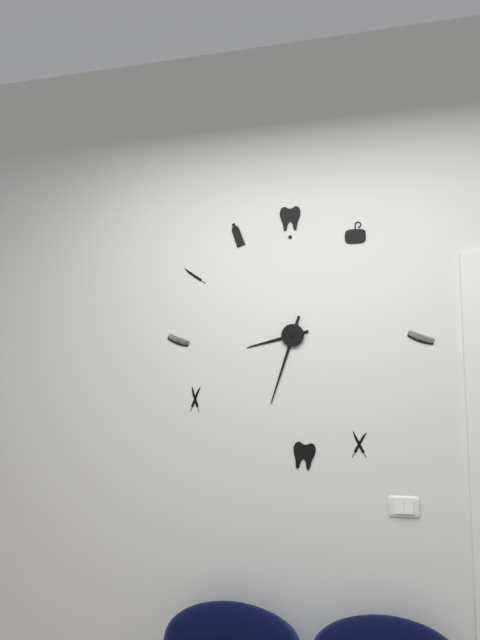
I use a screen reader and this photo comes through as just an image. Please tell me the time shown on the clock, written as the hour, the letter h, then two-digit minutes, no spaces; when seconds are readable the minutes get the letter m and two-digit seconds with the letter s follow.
8h33
